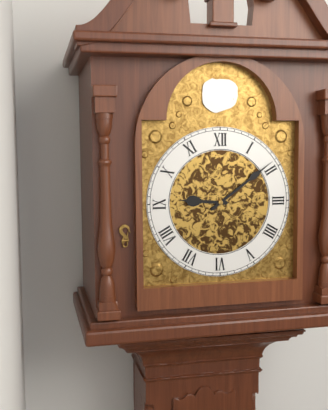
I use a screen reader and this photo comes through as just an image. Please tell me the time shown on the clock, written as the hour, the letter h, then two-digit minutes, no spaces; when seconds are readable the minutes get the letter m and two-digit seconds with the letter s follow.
9h09
